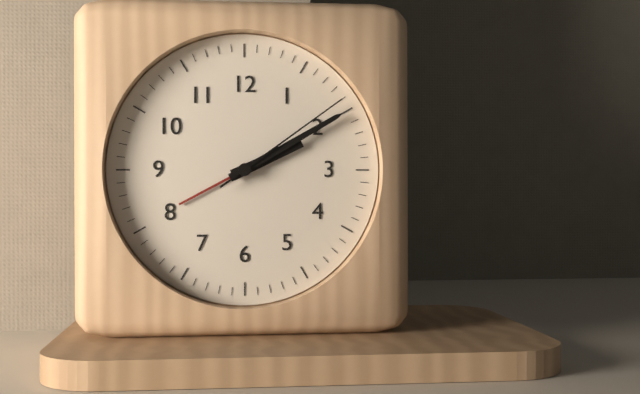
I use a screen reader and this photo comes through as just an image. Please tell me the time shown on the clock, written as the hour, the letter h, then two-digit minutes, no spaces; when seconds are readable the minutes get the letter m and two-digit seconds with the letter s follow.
2h10m09s
